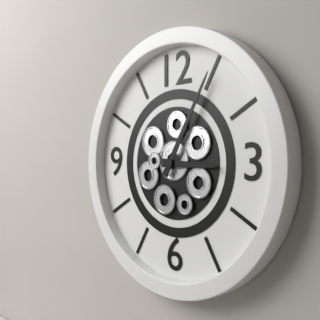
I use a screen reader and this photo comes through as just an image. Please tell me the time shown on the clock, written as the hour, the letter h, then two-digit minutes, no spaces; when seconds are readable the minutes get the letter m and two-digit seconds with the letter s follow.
3h05
